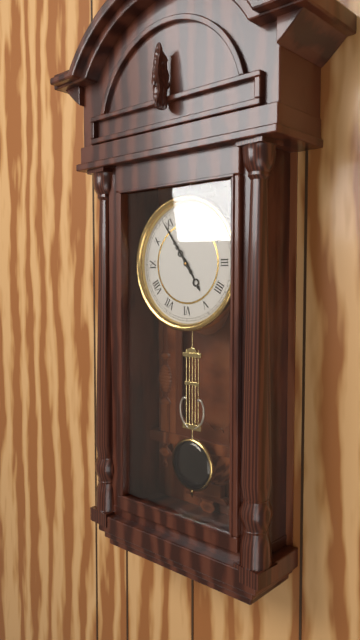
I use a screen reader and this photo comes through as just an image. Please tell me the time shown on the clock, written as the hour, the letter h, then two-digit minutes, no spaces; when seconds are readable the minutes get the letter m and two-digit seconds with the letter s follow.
4h54
